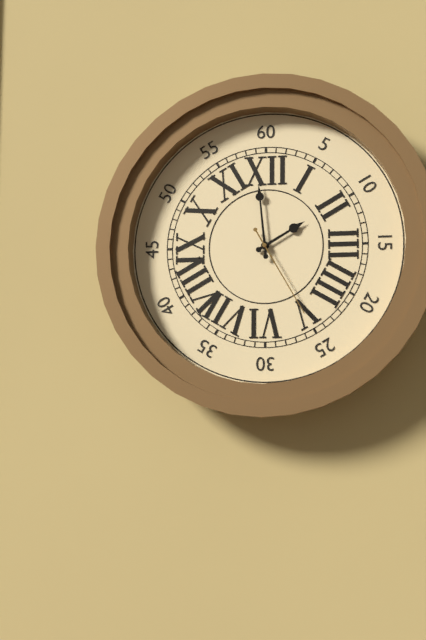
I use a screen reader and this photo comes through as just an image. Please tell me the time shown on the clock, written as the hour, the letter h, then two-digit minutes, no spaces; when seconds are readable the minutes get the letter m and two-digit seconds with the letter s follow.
1h59m25s
